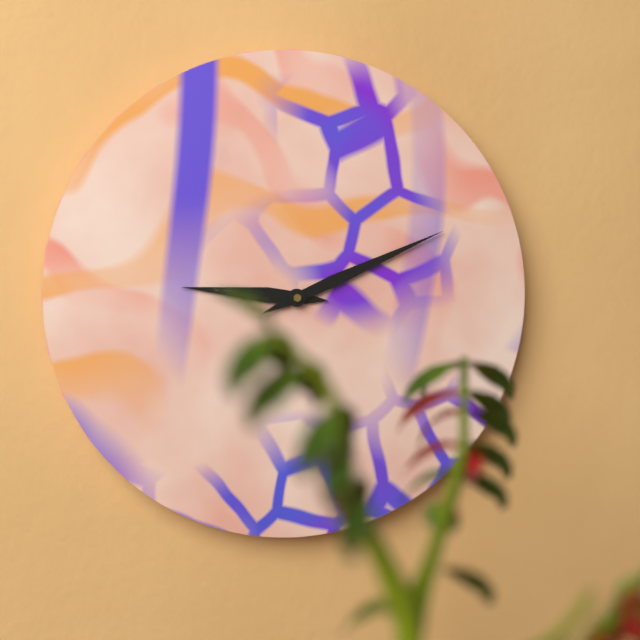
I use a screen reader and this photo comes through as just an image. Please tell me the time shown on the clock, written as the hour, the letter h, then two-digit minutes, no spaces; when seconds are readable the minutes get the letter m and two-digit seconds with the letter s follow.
9h11
